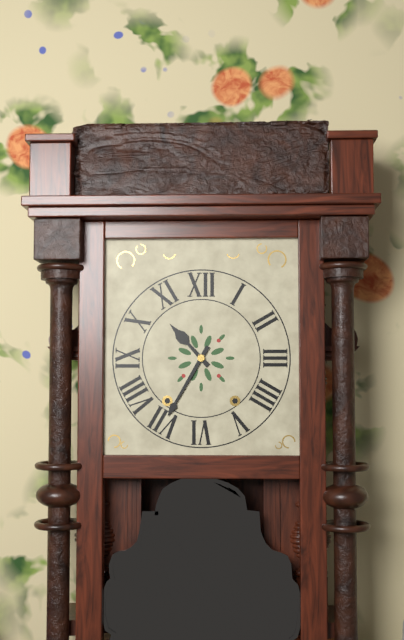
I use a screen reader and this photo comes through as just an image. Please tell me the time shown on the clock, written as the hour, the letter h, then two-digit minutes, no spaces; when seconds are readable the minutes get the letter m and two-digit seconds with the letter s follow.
10h35
